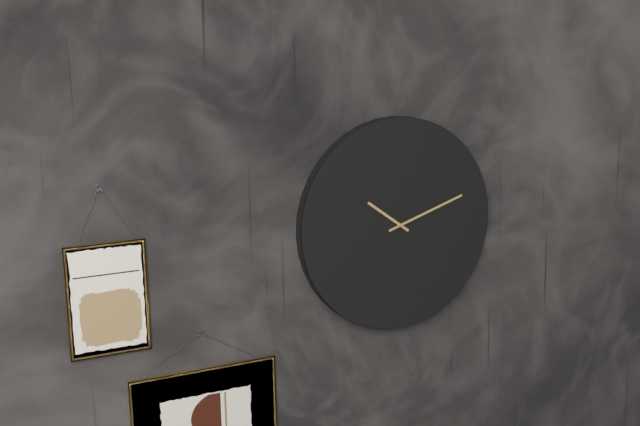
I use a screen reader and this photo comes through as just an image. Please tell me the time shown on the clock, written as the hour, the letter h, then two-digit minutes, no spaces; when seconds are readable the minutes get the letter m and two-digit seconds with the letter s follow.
10h12
